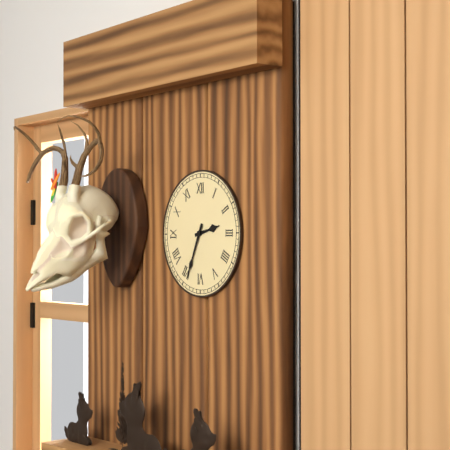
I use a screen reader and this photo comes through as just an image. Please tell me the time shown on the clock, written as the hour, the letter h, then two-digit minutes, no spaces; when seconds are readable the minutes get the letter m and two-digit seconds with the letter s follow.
2h34
